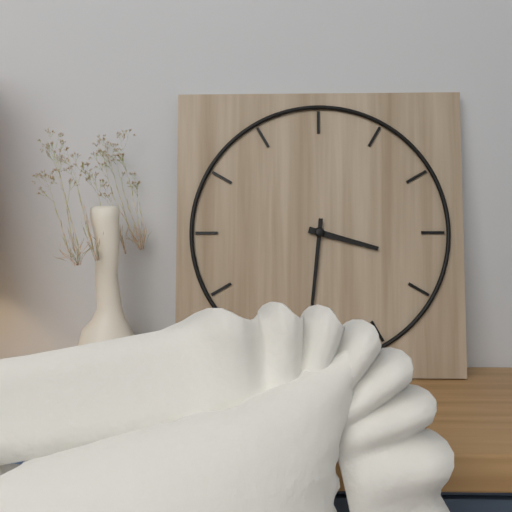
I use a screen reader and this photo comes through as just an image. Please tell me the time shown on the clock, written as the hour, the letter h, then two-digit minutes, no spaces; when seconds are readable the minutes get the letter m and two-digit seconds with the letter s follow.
3h31
